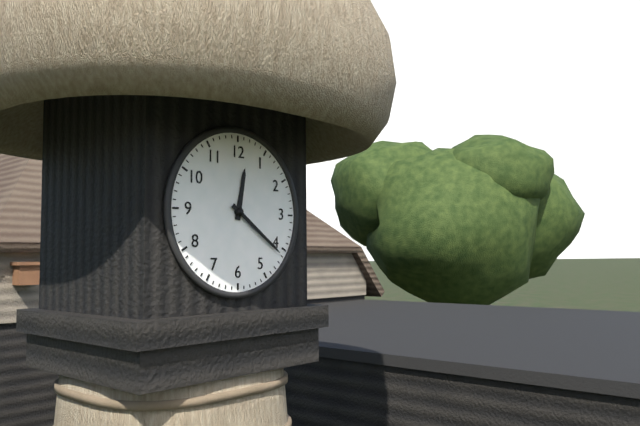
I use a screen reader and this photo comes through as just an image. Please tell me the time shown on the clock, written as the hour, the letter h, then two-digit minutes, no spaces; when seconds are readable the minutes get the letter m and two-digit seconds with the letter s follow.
12h21
